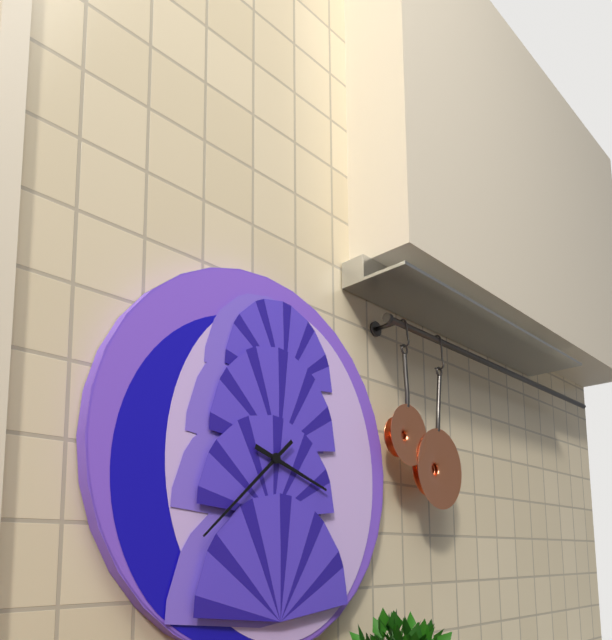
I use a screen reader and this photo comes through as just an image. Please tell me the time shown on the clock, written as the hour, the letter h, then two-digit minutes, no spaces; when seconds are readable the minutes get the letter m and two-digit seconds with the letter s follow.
3h38
